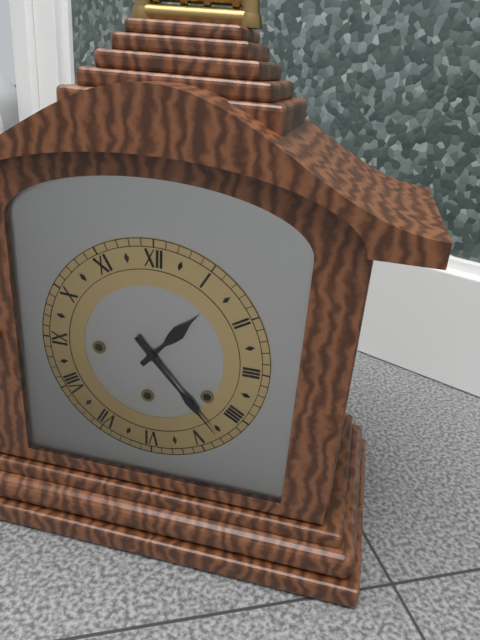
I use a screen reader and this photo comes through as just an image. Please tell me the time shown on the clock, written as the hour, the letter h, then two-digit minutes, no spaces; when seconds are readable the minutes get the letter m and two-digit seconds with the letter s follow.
1h23
